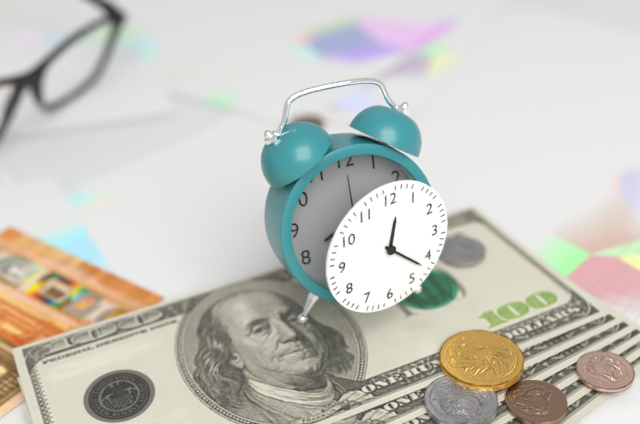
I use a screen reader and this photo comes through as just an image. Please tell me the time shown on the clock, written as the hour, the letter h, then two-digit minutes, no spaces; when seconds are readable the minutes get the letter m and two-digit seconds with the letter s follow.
12h22
